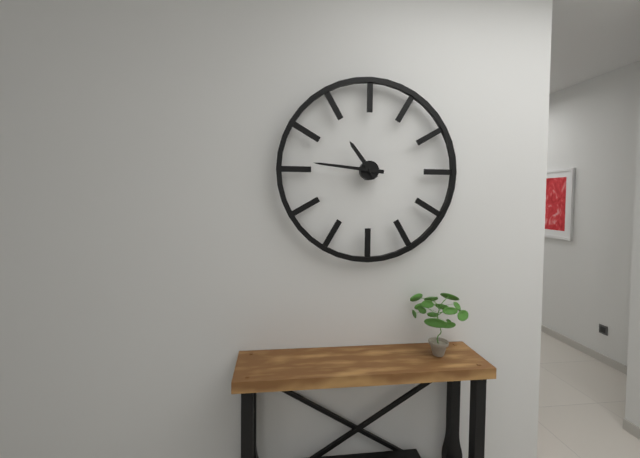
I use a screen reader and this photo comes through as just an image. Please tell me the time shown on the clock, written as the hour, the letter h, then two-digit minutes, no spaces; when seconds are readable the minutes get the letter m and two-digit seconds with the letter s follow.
10h46
